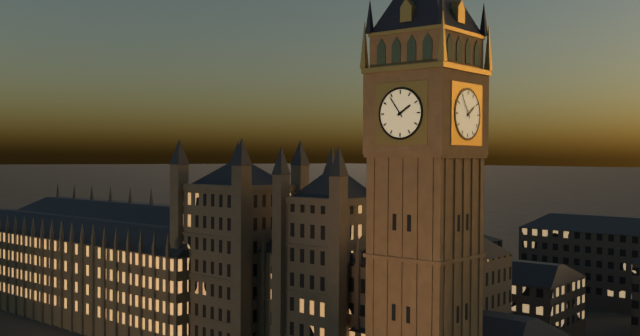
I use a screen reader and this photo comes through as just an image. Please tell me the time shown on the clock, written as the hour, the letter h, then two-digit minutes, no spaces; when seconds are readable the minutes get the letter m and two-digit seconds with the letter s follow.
1h54
